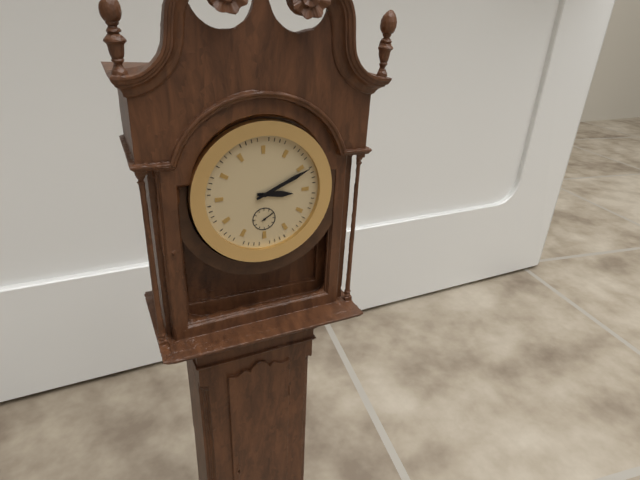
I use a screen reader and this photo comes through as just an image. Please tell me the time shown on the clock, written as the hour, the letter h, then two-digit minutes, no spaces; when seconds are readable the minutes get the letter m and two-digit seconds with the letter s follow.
3h11
